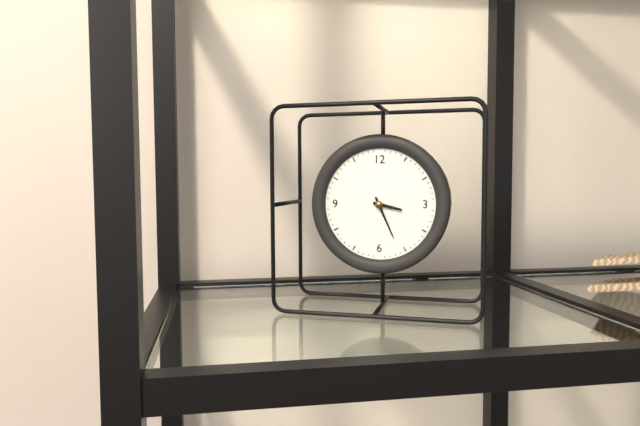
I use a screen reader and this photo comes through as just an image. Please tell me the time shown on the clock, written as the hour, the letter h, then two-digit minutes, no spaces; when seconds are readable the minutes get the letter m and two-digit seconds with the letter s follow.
3h26
